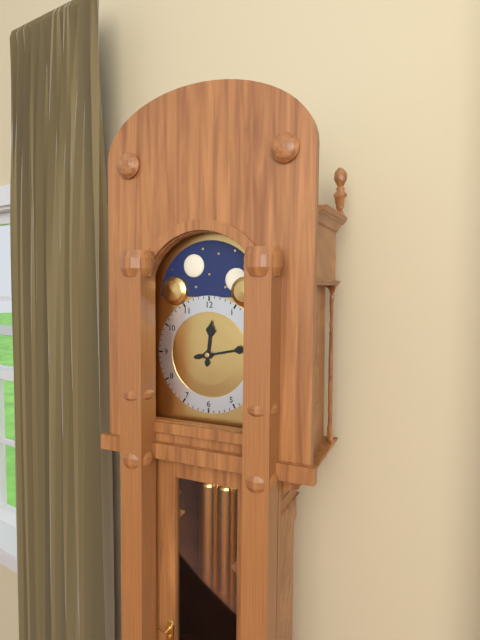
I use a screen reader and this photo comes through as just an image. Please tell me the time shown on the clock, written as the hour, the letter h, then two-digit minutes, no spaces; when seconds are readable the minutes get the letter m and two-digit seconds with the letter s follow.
12h13
